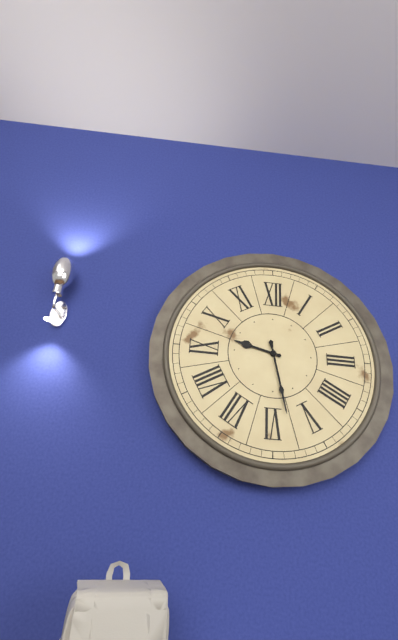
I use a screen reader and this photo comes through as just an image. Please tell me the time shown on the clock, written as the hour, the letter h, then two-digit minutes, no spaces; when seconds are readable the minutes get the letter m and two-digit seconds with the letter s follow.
9h28
